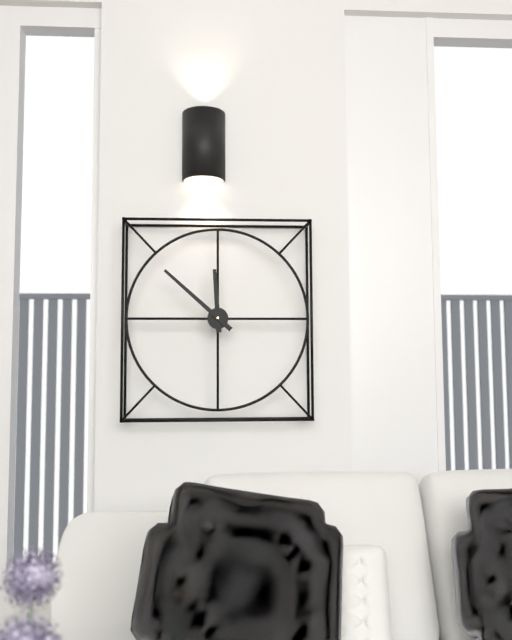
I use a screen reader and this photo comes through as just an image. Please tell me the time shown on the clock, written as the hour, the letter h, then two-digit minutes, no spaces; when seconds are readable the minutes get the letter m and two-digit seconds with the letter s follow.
11h52
